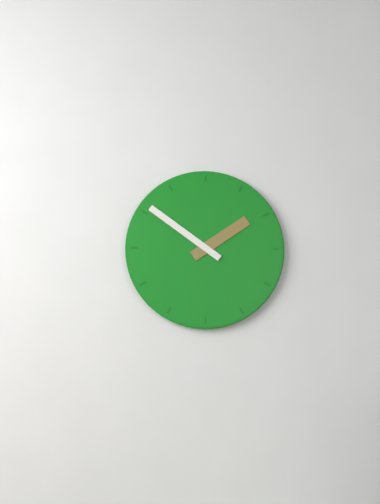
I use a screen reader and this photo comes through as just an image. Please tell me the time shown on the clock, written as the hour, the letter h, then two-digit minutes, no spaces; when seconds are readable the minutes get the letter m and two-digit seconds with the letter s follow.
1h51
